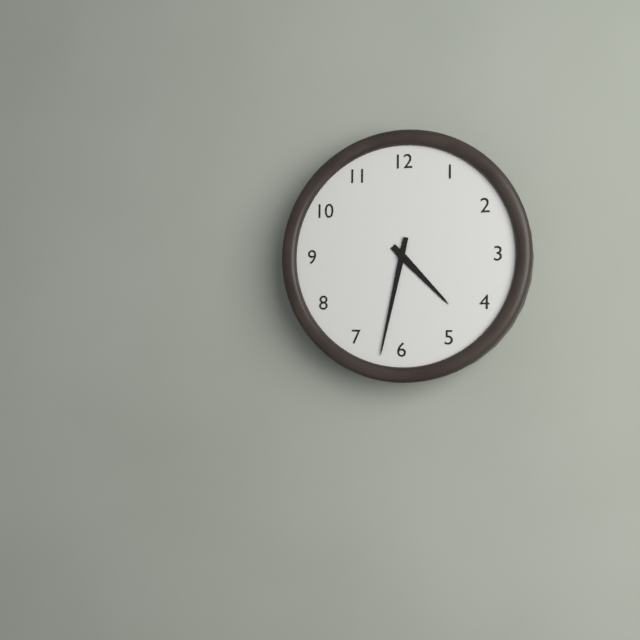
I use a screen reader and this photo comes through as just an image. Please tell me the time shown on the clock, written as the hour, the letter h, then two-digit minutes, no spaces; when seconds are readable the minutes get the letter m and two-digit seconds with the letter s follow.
4h32
